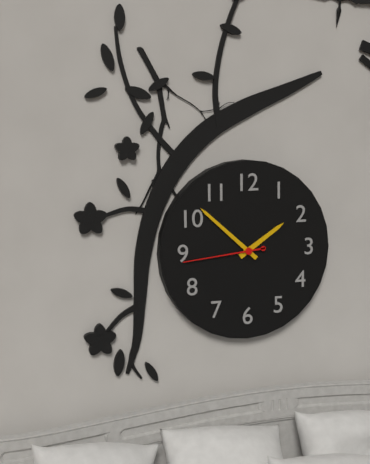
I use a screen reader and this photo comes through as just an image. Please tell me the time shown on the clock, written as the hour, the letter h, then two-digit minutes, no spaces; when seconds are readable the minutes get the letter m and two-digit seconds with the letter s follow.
1h52m44s
